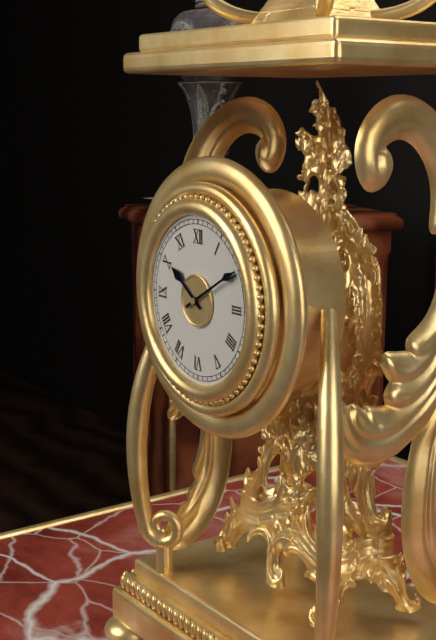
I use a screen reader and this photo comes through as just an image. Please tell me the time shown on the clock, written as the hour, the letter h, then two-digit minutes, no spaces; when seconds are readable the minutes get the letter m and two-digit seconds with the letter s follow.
10h10
